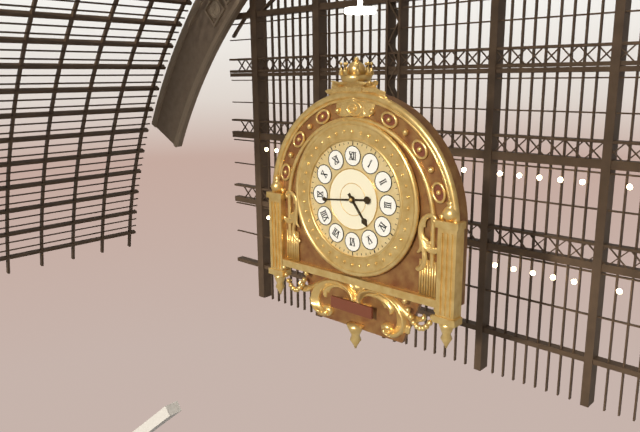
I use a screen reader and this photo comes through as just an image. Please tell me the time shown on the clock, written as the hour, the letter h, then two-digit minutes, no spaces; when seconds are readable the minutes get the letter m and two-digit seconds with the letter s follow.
4h44
